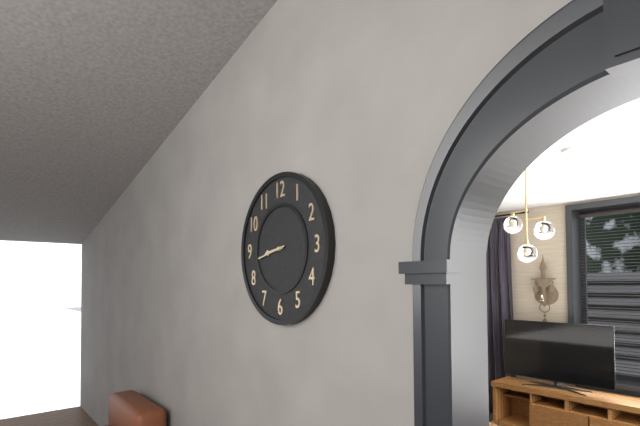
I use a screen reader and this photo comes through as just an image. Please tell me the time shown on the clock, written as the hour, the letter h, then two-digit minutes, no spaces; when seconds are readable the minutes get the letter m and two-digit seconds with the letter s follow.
8h43
